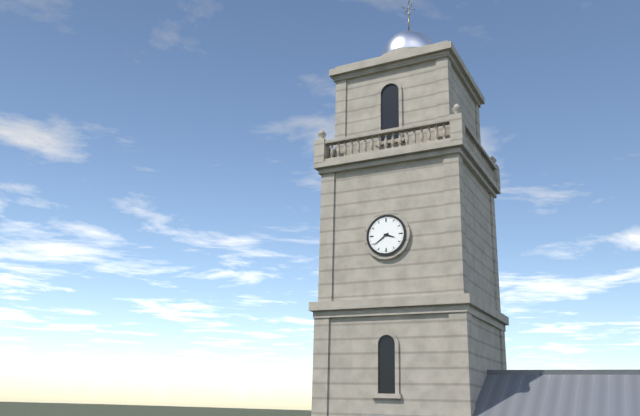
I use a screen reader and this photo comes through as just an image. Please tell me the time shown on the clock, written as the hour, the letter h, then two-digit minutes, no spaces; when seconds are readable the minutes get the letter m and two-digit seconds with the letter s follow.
3h39
